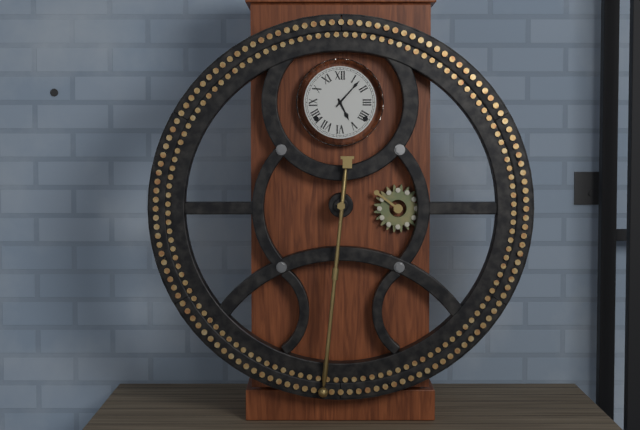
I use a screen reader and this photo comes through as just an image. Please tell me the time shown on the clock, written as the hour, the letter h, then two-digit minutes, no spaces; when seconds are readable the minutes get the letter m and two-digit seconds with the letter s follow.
5h07
